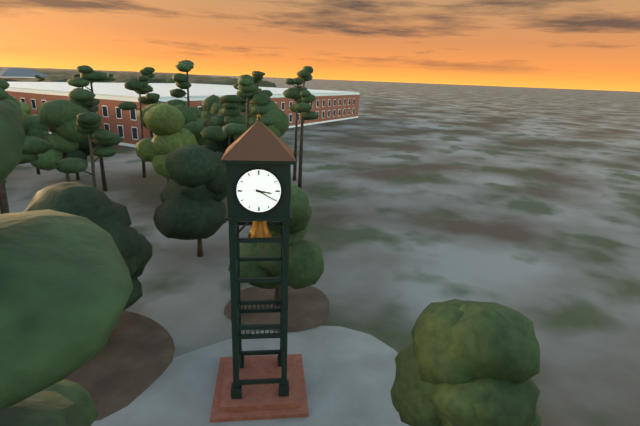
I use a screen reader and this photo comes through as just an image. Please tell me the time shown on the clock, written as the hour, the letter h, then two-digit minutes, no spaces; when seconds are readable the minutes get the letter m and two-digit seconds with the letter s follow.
3h20
